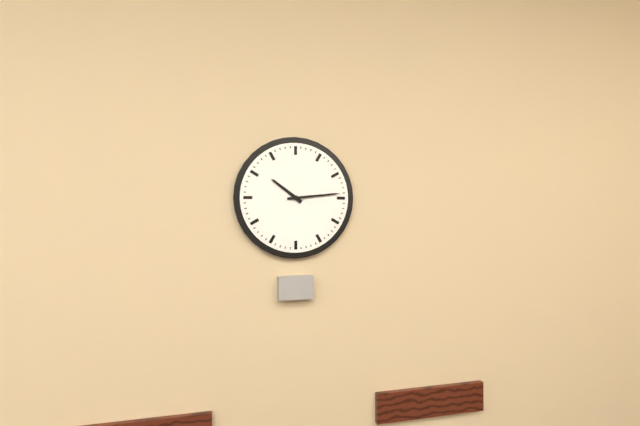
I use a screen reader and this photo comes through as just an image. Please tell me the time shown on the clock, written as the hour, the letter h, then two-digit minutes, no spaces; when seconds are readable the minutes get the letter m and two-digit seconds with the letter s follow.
10h14
